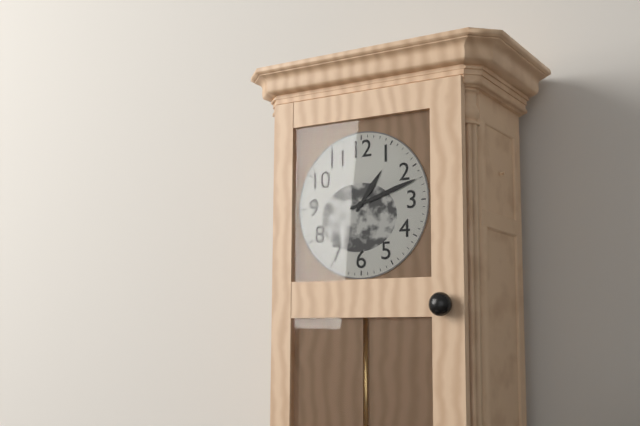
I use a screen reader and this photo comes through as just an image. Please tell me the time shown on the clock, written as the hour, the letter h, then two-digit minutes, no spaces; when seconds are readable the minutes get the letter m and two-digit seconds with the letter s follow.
1h12
